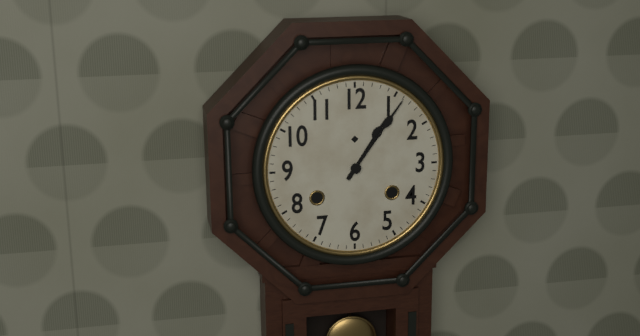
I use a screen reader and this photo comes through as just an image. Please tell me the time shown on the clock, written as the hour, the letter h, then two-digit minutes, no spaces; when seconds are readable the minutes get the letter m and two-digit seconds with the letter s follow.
1h06
